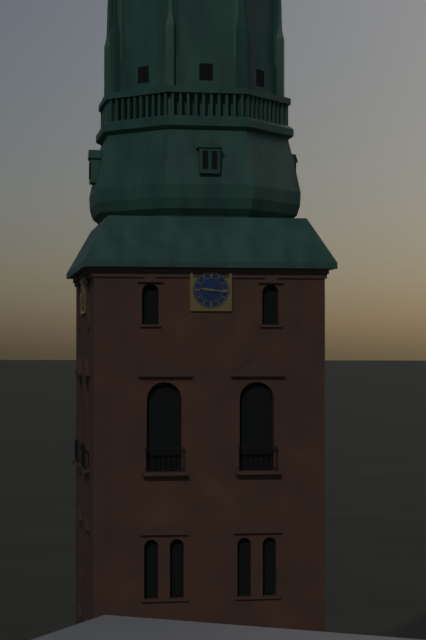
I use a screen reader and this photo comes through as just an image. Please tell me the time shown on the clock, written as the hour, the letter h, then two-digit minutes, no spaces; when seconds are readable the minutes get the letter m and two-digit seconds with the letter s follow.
9h16
